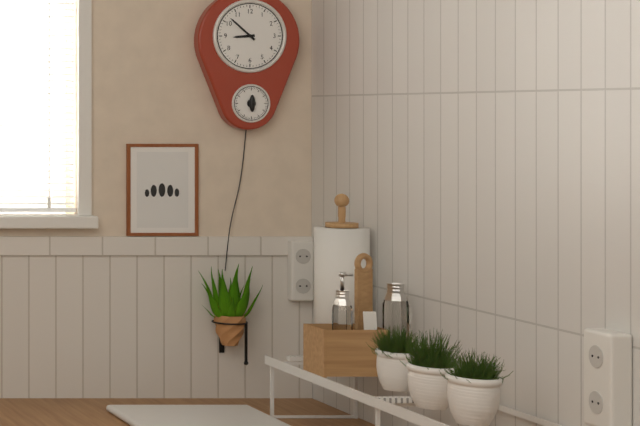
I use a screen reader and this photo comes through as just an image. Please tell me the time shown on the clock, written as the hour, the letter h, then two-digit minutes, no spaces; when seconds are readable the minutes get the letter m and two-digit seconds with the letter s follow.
8h52
